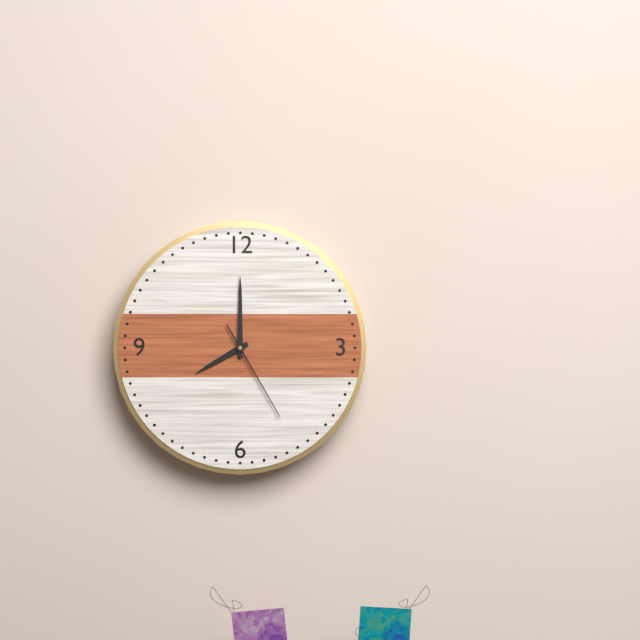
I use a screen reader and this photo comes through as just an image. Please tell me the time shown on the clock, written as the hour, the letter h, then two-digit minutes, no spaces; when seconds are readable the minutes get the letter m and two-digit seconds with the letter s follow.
8h00m25s
